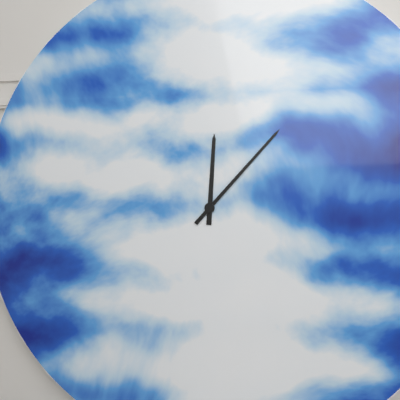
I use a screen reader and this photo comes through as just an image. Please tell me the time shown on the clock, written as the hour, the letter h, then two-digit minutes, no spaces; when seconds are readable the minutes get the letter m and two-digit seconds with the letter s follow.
12h07
